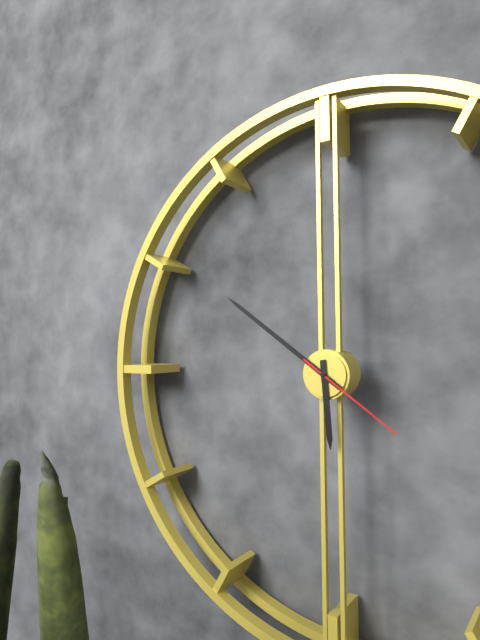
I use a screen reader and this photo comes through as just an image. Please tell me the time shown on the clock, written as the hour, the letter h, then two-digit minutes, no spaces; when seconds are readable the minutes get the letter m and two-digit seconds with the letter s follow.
5h51m21s
